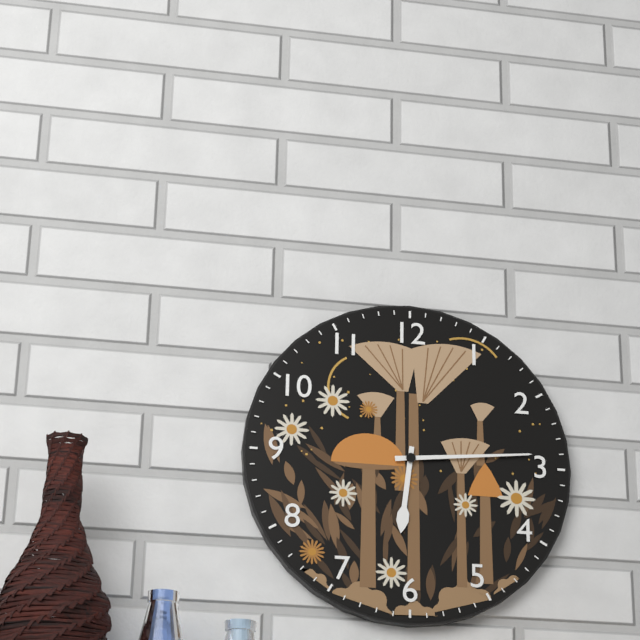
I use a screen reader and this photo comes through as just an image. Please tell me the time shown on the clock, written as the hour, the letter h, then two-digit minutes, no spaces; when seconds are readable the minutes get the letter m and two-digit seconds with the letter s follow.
6h14
